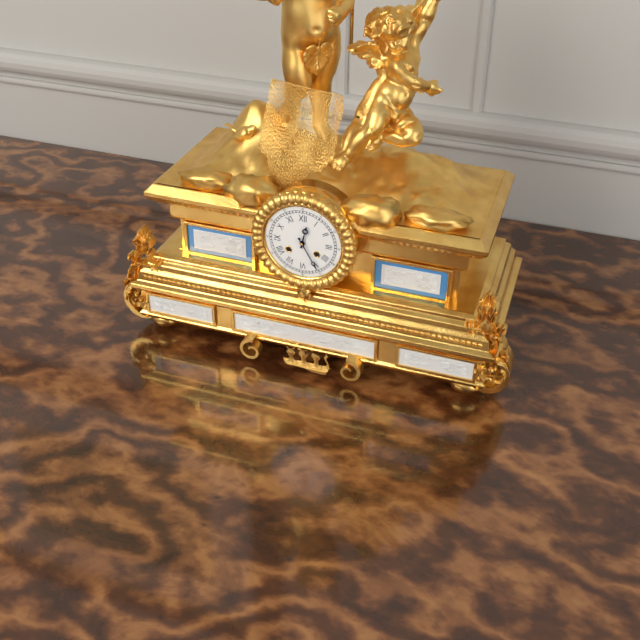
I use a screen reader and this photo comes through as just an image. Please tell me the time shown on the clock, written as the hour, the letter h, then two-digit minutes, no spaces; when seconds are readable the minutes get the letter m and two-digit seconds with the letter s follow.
12h25
